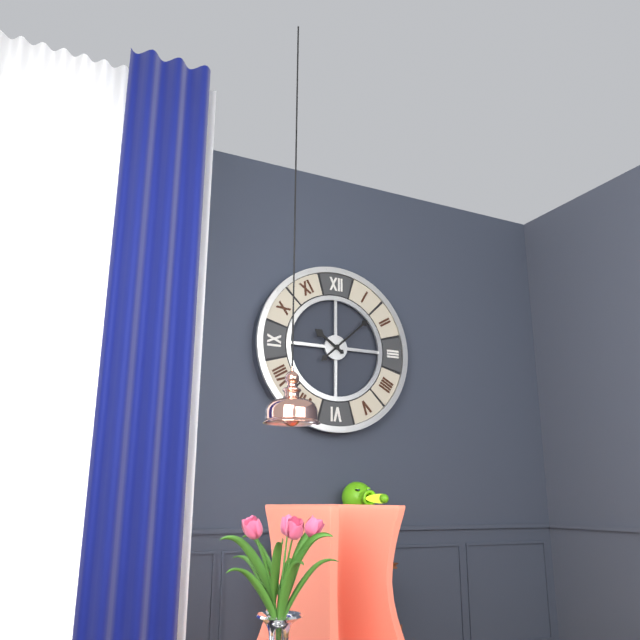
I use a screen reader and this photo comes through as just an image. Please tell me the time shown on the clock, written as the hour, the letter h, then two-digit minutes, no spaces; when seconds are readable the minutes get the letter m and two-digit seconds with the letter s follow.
10h08
